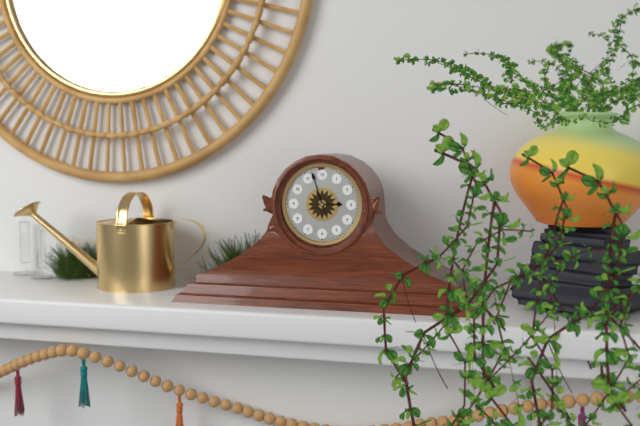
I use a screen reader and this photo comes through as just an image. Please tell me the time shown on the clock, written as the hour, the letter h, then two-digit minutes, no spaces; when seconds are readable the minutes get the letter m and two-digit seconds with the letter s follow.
2h57
